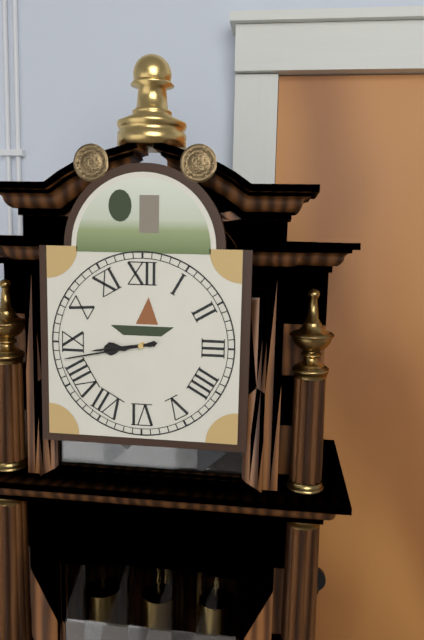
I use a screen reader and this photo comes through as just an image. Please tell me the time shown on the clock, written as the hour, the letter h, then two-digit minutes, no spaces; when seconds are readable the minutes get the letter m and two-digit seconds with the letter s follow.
8h43
